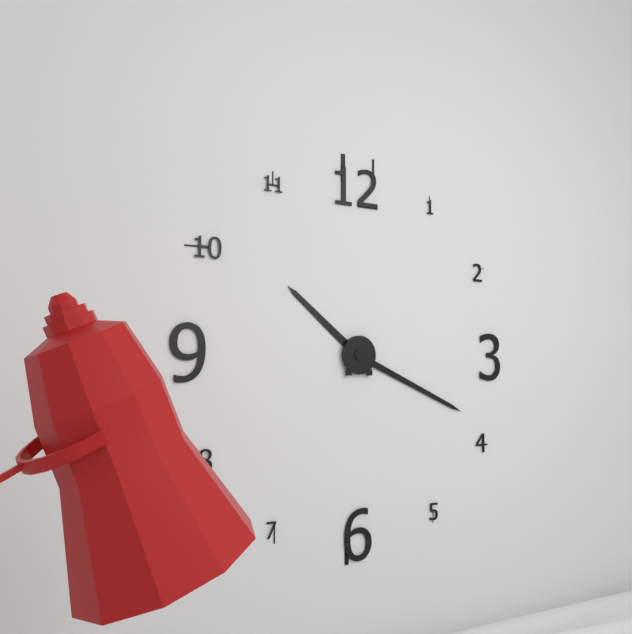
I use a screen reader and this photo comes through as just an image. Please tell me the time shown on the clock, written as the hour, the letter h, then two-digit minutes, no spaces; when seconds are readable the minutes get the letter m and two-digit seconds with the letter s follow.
10h19
